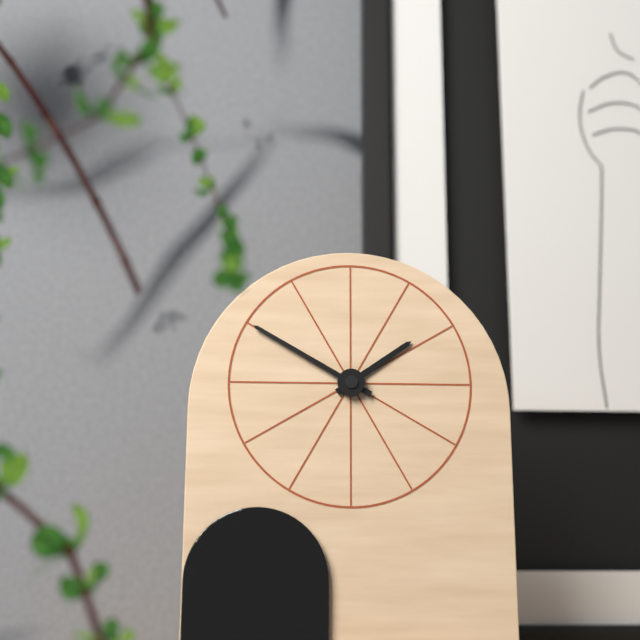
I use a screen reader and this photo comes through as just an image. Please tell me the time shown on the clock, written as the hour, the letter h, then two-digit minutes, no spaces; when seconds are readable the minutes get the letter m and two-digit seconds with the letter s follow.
1h50
